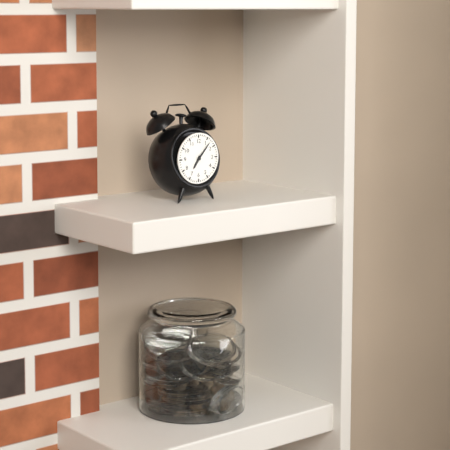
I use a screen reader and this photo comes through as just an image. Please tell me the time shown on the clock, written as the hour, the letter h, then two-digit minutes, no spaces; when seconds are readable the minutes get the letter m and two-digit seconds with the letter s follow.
7h07
